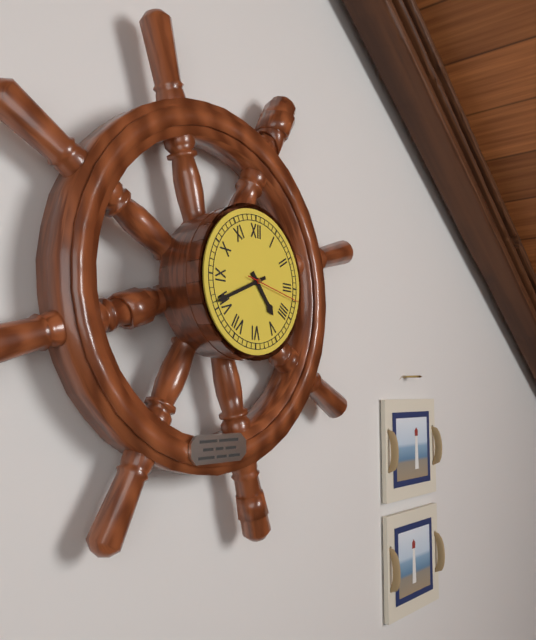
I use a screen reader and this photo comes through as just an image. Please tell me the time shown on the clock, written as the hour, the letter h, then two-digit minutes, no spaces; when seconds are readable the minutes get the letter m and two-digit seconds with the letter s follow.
4h41m17s
